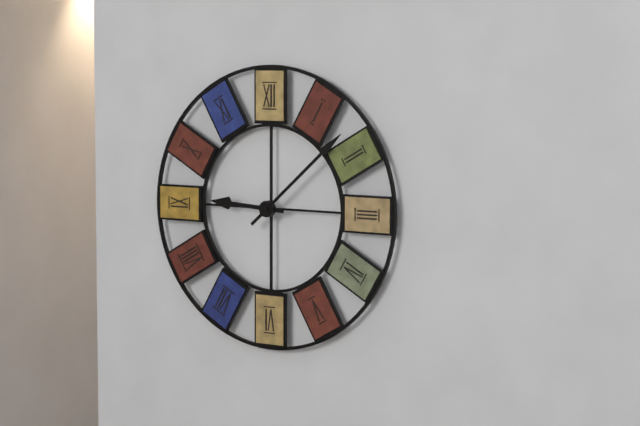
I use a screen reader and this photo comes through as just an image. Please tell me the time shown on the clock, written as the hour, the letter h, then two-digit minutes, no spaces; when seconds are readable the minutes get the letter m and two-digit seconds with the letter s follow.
9h08
